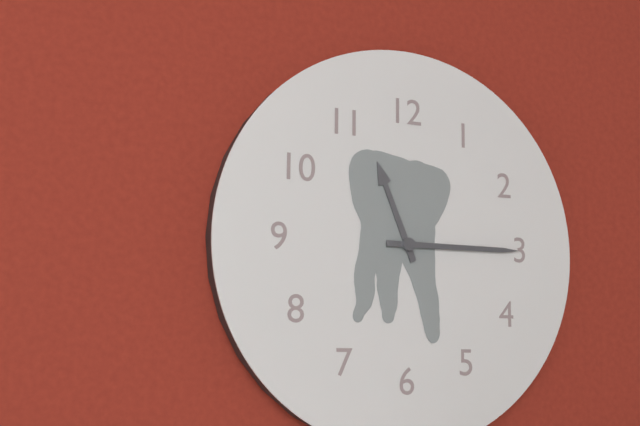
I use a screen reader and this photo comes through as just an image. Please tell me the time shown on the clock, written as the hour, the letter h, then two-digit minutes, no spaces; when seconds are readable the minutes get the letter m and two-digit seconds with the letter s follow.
11h15
